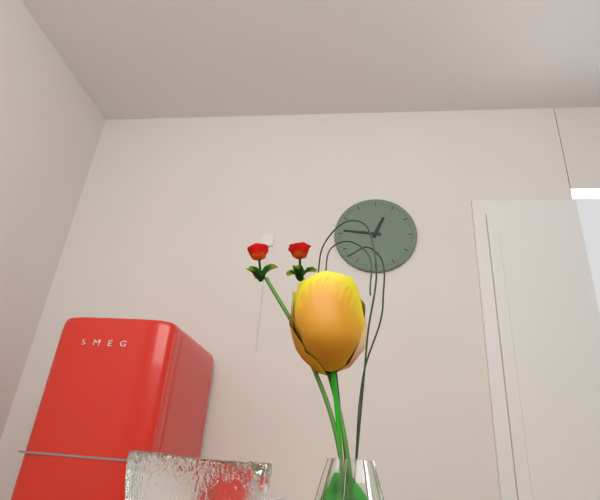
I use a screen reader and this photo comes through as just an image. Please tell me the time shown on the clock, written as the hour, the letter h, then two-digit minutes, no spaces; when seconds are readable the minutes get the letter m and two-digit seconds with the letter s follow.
12h46
